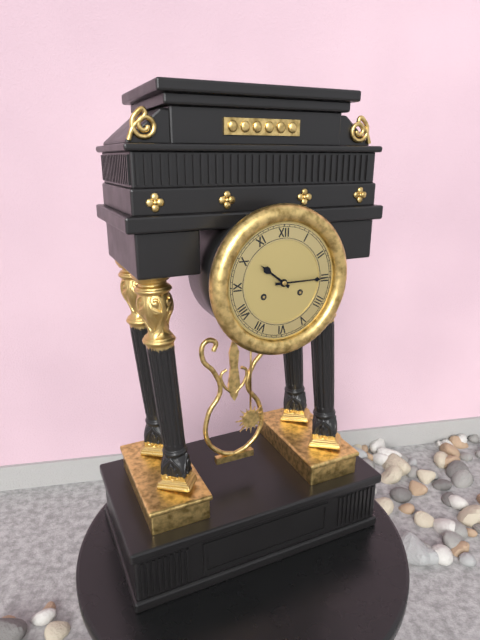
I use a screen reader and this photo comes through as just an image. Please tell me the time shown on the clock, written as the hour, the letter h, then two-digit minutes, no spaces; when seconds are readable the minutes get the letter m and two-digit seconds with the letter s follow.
10h15
